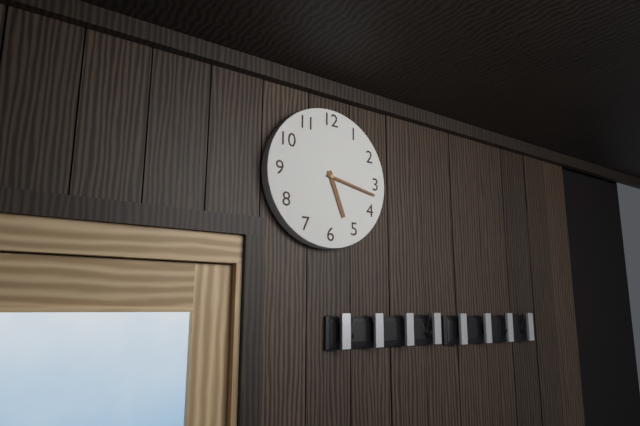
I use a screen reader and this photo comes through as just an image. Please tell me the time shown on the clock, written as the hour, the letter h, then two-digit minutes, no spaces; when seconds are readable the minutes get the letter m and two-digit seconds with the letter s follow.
5h17
